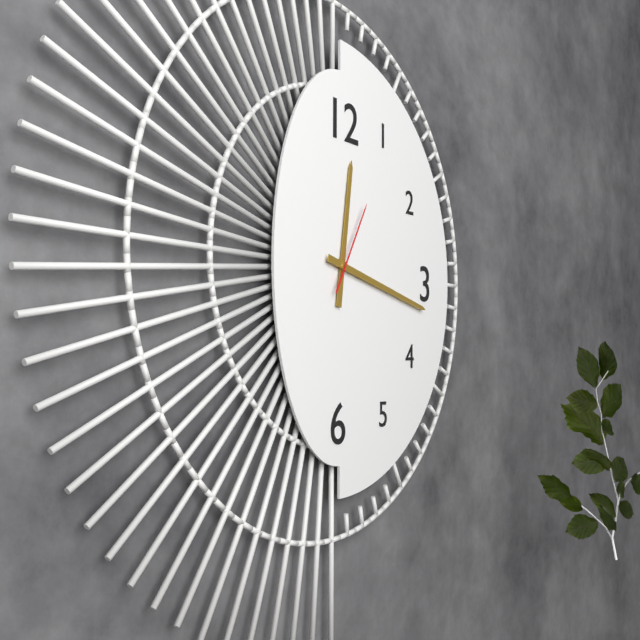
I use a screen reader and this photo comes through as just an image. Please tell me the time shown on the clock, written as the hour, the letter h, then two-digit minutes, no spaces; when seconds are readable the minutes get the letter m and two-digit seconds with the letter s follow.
12h17m05s
